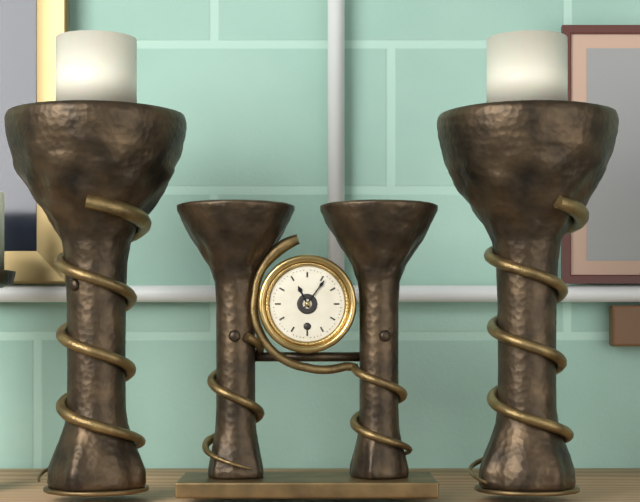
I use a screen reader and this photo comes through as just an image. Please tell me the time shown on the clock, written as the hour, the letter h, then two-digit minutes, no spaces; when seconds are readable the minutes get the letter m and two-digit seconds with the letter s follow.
11h06
